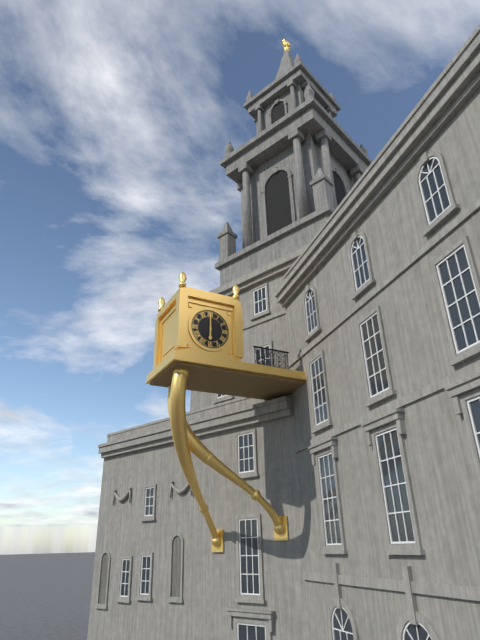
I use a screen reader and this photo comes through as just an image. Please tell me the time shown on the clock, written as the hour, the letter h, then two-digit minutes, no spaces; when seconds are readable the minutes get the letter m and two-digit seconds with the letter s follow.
6h00
